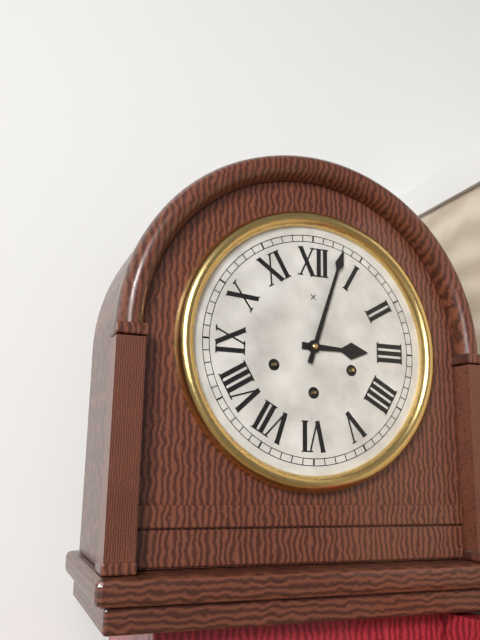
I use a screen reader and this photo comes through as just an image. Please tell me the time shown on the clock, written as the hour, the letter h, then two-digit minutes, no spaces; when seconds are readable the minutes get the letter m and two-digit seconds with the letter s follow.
3h03
